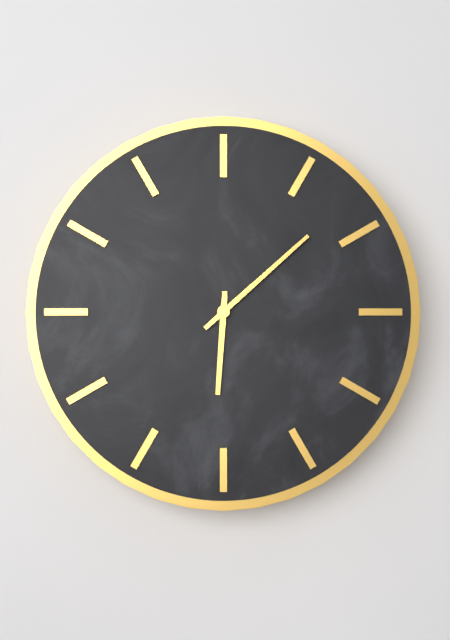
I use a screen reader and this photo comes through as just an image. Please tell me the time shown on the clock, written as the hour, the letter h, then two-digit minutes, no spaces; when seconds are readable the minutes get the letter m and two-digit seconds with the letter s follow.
6h08
